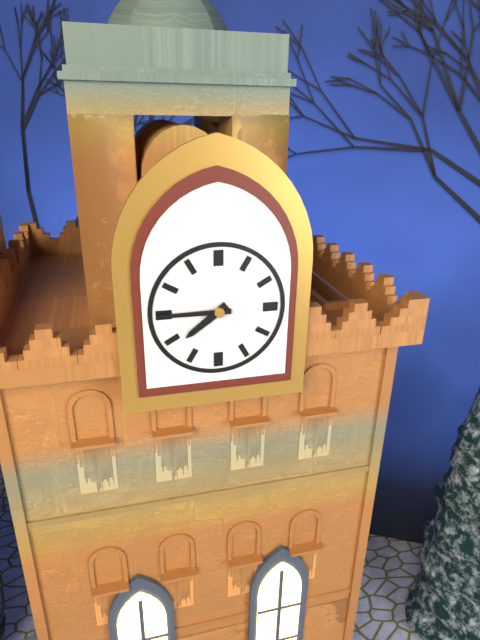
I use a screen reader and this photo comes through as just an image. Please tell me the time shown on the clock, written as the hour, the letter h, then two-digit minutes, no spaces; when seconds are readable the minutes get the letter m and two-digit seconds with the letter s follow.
7h45
